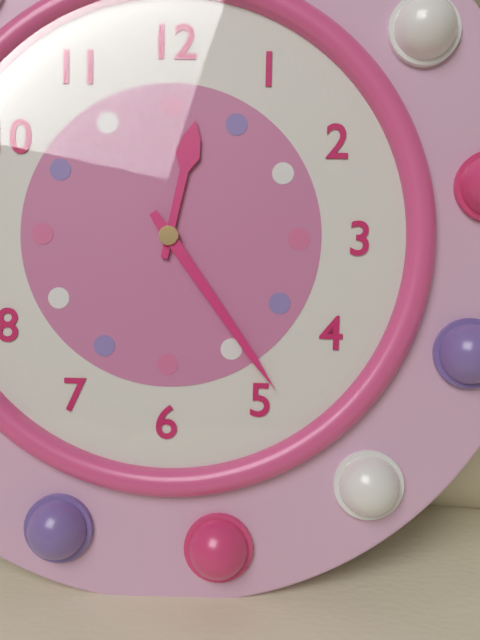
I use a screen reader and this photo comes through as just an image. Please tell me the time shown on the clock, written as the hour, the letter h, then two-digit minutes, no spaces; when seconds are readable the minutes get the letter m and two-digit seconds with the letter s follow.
12h24
